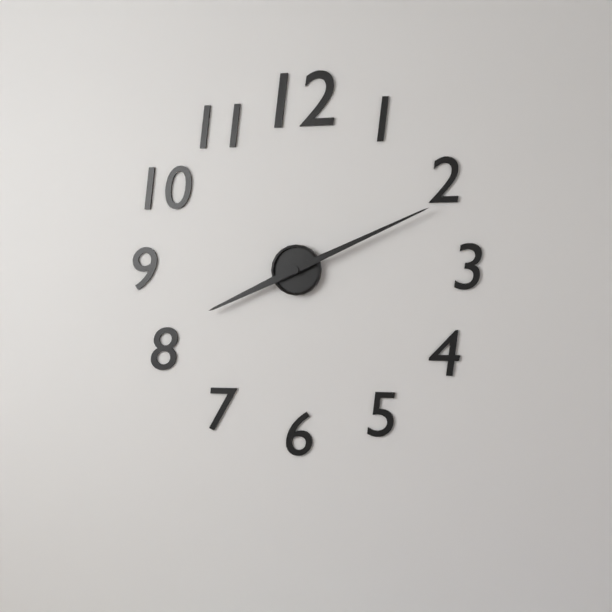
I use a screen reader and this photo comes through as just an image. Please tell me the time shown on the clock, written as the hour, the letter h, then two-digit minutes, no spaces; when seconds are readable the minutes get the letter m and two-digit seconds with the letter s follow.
8h11
